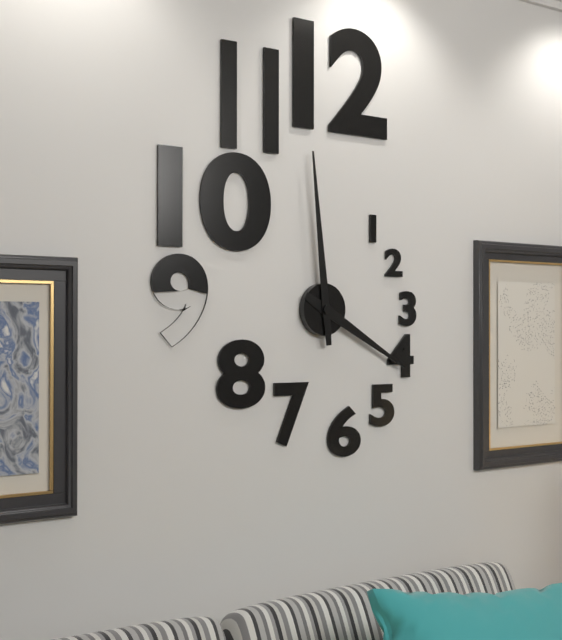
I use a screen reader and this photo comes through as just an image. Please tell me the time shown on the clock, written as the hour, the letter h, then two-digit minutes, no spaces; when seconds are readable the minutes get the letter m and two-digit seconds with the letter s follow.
3h59
